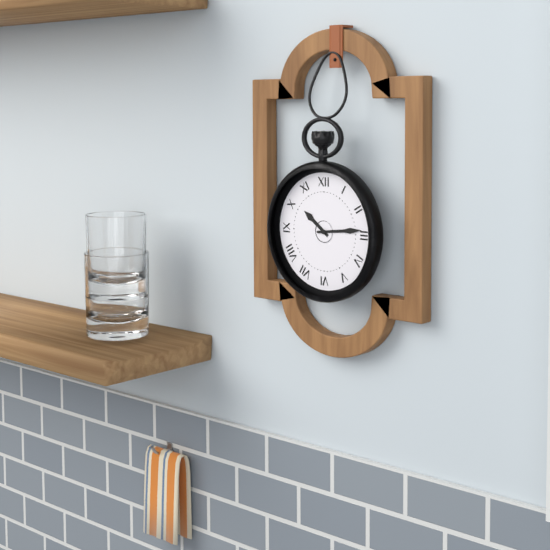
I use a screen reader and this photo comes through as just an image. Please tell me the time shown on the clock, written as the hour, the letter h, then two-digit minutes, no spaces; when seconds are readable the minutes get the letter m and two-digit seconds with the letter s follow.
10h14
